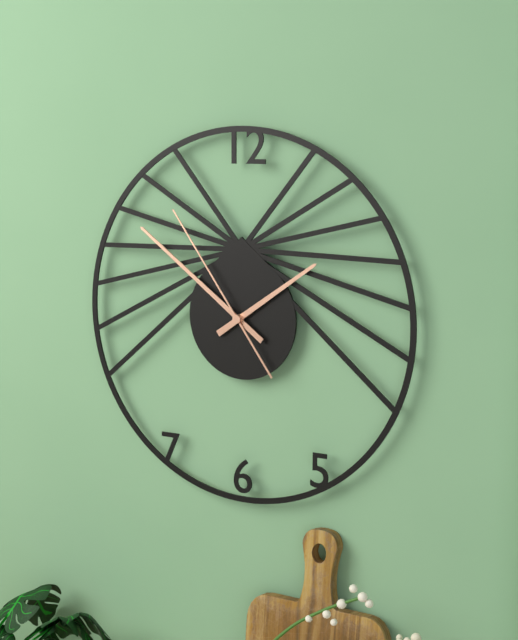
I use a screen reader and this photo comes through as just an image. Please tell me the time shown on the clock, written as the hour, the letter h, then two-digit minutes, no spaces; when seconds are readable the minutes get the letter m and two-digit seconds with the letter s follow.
1h51m54s
